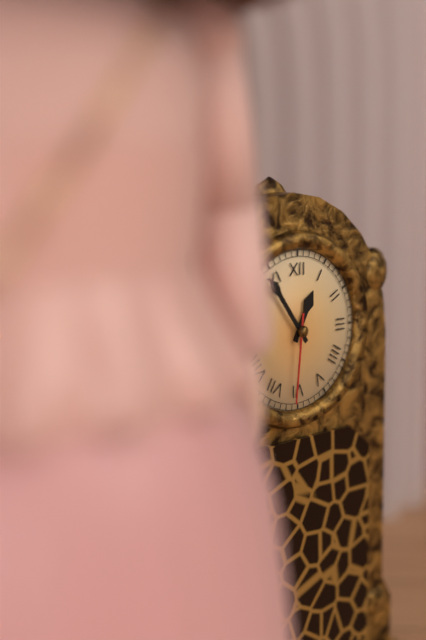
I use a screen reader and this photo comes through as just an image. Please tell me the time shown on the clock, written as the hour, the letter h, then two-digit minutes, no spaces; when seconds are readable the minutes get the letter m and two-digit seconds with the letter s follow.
12h54m31s
